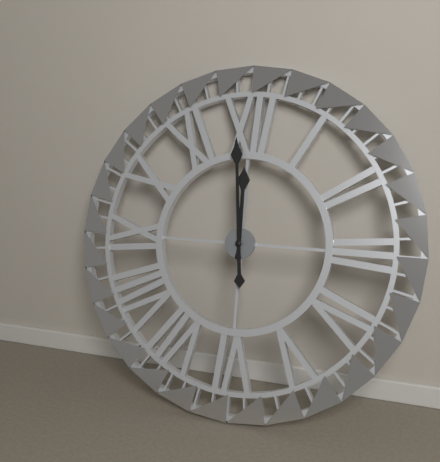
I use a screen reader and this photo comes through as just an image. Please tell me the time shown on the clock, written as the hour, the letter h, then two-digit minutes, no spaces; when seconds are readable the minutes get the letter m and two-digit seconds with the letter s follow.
11h59
